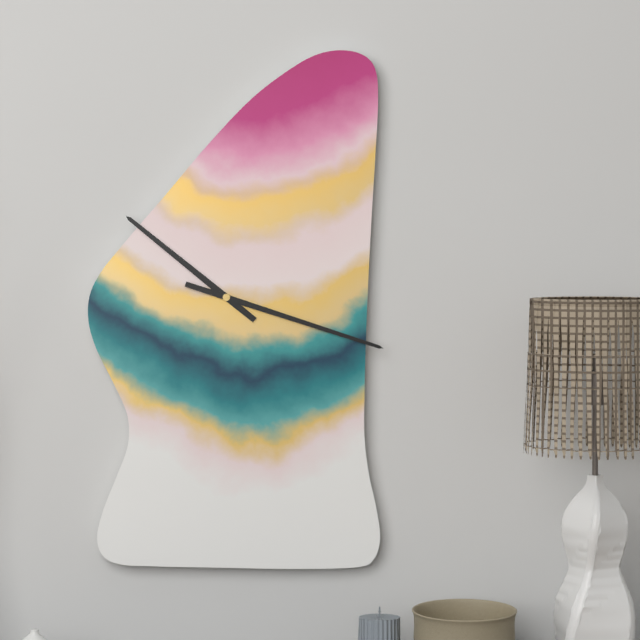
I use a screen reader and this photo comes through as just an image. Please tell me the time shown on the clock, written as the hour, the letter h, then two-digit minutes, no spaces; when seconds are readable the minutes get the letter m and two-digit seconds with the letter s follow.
10h18
